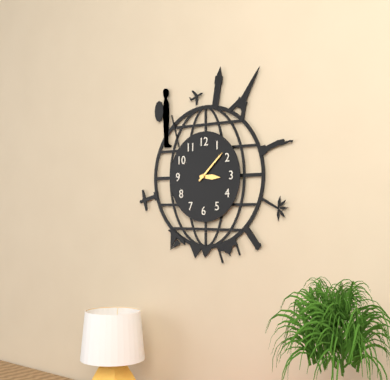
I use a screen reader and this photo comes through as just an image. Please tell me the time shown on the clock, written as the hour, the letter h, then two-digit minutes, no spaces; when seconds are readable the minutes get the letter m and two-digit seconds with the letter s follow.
3h08
